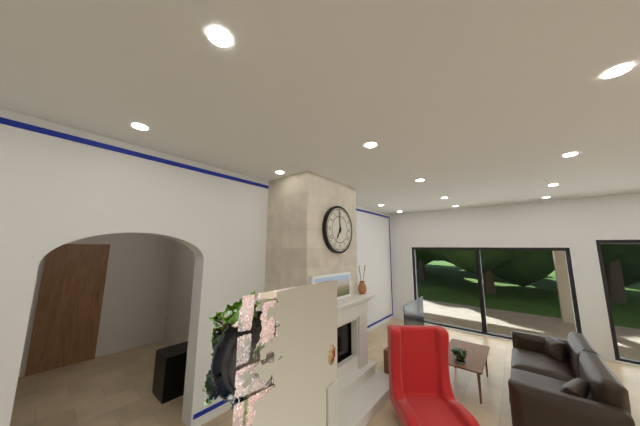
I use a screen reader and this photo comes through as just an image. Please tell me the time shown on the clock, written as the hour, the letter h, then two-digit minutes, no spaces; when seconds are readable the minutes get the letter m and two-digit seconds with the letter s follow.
6h59
